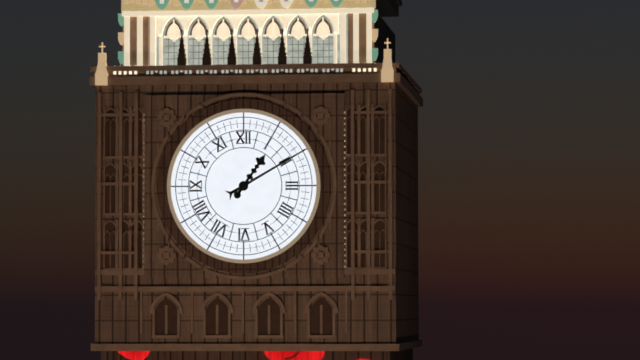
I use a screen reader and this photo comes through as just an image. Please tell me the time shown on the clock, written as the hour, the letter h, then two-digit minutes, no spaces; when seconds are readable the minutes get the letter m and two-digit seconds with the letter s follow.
1h10
